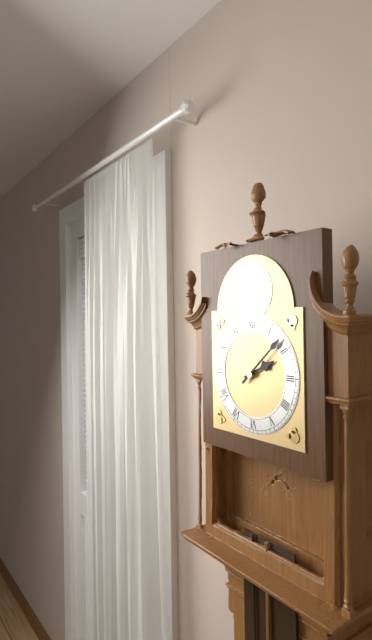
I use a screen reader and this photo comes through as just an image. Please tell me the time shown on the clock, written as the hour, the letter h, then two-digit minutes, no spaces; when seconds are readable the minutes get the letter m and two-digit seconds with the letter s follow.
2h08
